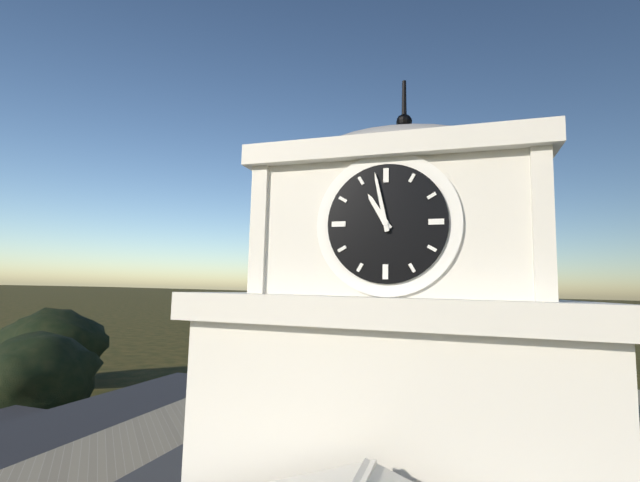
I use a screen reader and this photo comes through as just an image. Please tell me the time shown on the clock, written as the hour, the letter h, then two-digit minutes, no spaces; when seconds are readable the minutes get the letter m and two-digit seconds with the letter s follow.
10h58
